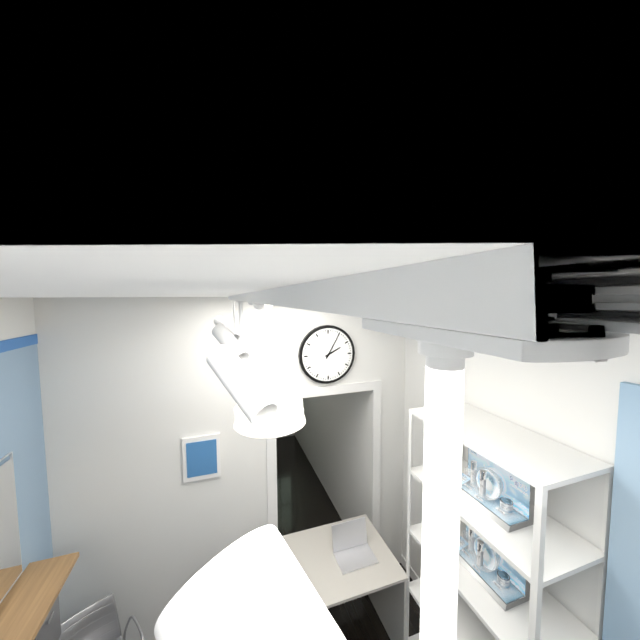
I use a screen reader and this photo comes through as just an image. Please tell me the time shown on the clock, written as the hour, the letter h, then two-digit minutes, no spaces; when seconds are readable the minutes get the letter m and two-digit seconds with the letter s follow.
2h05
